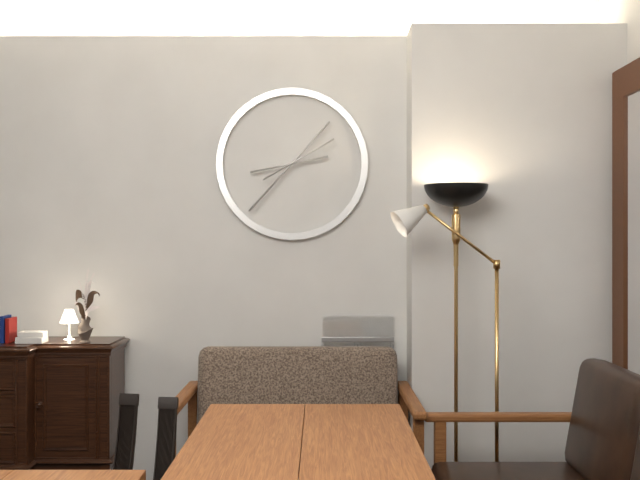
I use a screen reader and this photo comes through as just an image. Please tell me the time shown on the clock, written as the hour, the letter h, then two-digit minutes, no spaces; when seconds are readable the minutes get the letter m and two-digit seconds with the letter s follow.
8h37m10s
